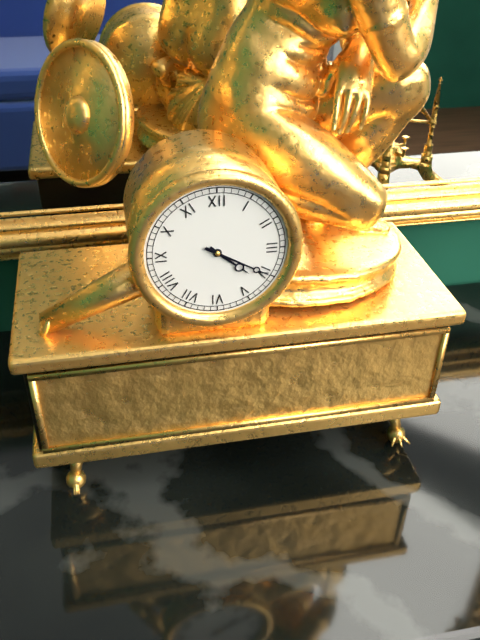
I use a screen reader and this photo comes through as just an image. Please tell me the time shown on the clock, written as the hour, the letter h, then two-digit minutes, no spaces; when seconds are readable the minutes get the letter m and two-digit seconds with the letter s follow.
4h20
